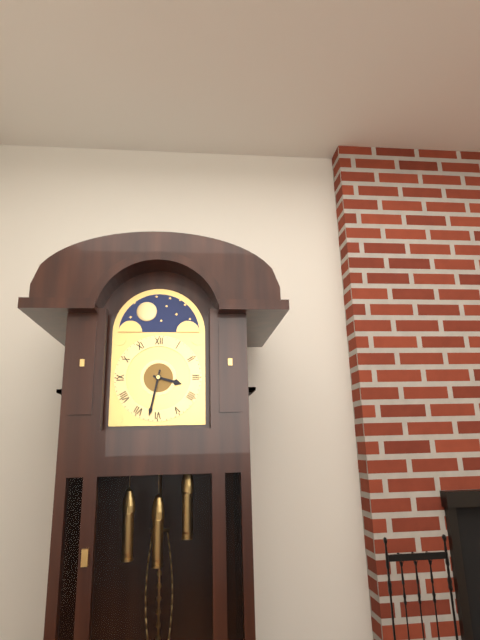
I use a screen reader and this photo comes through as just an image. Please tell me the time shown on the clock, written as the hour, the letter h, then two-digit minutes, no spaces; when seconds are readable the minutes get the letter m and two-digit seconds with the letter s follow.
3h32
